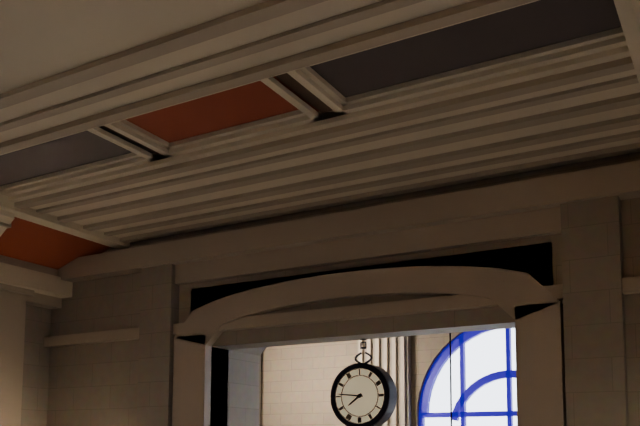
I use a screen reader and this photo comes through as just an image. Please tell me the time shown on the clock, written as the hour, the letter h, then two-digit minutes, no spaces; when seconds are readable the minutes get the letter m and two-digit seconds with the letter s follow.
7h46
